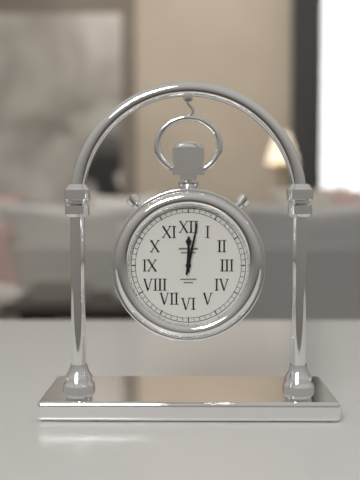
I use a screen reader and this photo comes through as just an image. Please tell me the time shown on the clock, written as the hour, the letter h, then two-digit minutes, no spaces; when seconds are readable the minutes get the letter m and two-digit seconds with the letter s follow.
12h02
